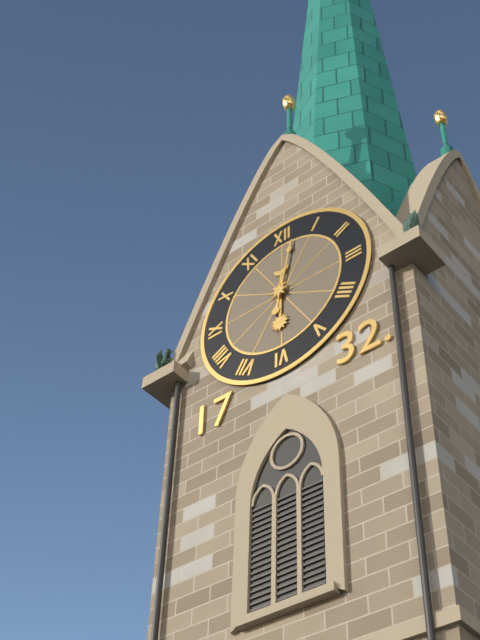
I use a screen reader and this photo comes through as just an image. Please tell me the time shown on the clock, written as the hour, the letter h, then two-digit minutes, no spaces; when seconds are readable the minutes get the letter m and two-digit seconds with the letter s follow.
6h02
